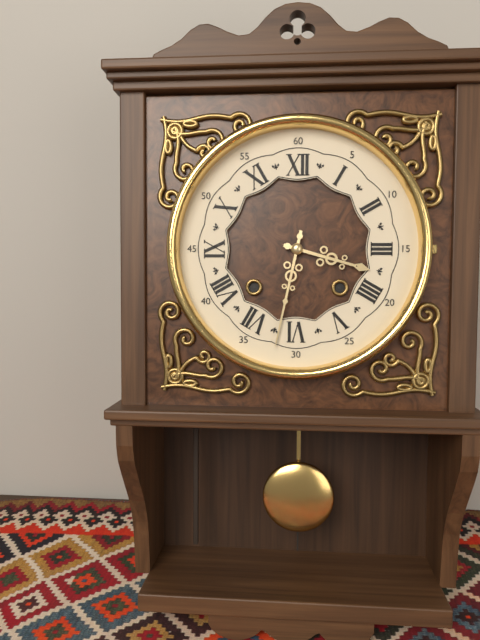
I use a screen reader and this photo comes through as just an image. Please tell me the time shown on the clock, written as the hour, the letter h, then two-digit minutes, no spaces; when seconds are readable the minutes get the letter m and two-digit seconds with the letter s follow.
3h32
